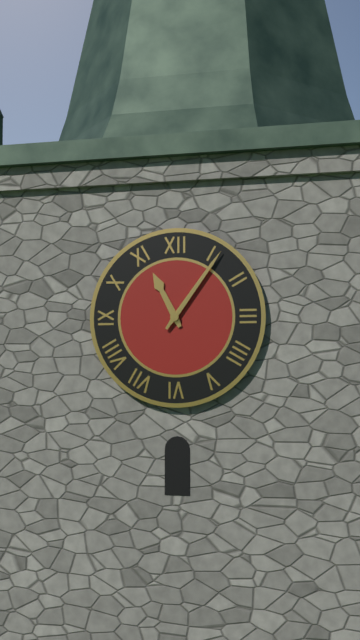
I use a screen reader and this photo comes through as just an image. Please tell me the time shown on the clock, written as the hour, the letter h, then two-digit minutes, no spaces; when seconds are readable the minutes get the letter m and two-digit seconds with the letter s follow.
11h06
